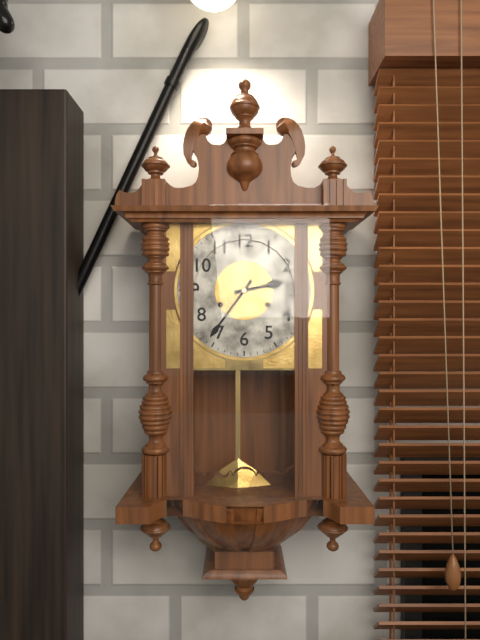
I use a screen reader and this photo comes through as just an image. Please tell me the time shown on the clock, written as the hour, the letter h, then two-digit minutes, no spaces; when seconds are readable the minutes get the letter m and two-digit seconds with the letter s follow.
2h36
